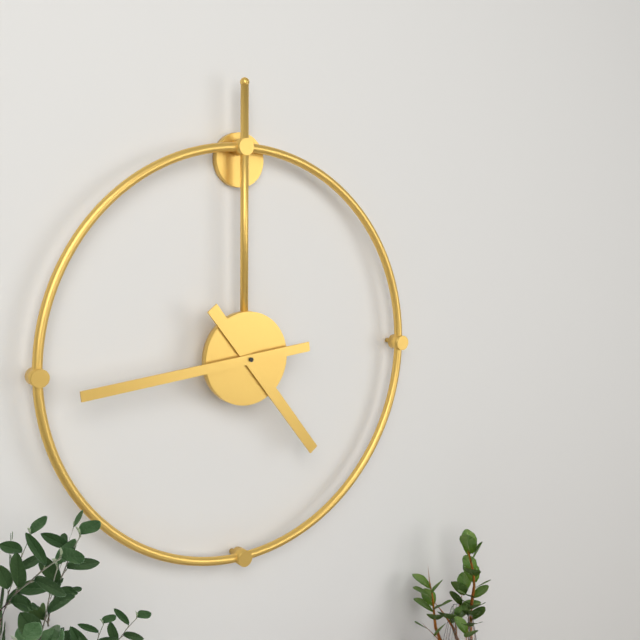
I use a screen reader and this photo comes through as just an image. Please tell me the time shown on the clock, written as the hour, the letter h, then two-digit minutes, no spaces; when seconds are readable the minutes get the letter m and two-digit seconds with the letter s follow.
4h44
